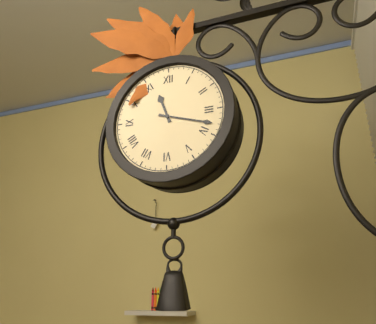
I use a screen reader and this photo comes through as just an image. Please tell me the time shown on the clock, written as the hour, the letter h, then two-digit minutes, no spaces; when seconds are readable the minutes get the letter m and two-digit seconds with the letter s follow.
11h18
